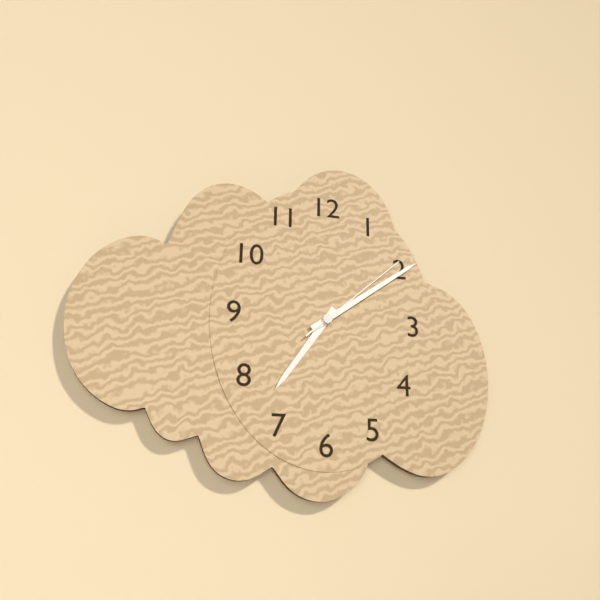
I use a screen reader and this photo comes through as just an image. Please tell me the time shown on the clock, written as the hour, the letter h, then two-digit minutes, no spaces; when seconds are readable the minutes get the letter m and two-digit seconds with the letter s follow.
7h09m08s
